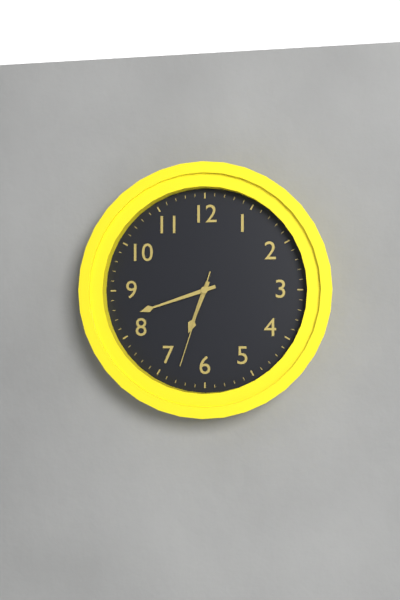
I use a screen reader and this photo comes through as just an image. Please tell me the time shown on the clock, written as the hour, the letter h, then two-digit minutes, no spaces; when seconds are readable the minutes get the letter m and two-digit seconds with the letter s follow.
6h42m33s
